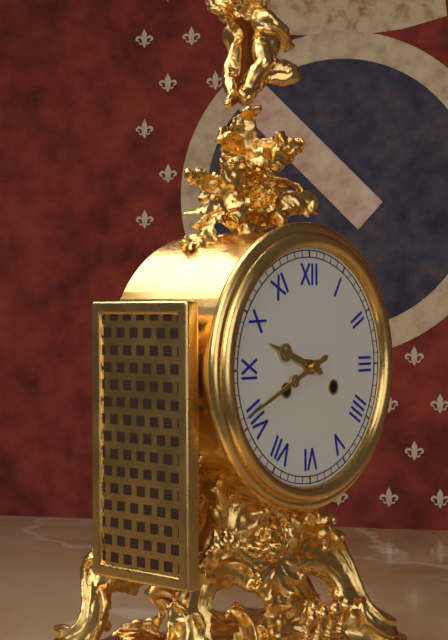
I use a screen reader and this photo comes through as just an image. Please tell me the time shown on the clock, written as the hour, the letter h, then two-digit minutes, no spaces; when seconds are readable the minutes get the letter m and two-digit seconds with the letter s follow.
9h41
